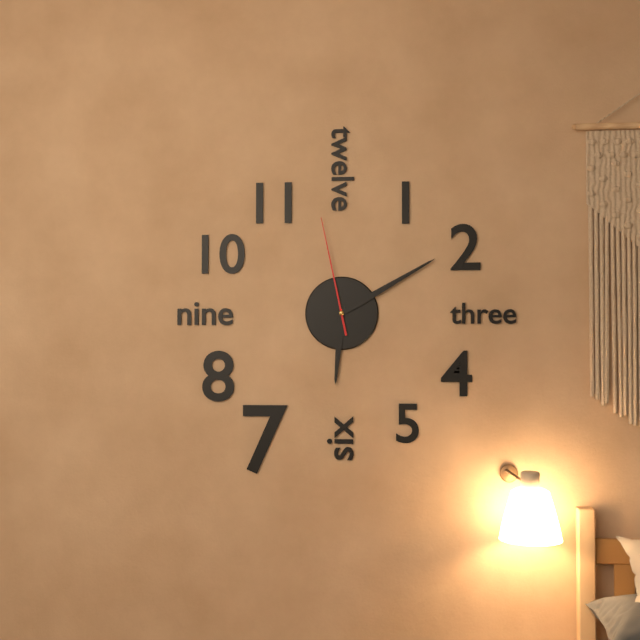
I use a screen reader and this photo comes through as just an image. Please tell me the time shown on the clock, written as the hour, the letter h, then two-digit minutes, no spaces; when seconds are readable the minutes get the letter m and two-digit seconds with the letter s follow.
6h10m58s
